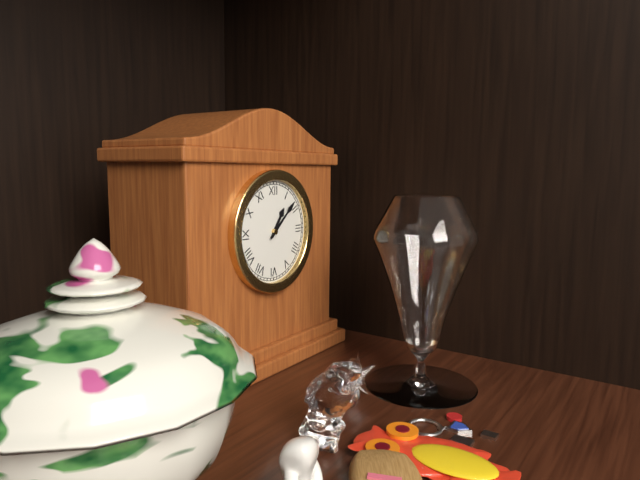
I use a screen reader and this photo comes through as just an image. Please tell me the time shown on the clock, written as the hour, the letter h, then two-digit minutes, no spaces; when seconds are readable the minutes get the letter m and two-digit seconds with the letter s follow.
1h08
